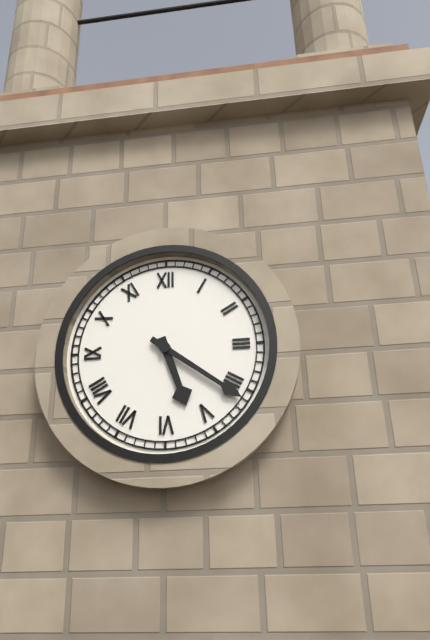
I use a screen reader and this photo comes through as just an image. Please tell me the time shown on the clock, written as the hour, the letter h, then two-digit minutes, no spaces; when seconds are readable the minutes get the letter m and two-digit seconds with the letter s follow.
5h21
